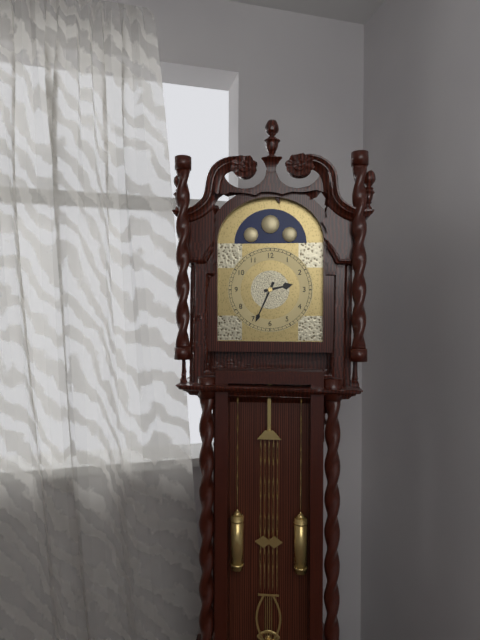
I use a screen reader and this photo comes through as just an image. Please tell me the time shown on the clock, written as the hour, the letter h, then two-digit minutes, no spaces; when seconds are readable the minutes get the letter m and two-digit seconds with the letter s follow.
2h34
